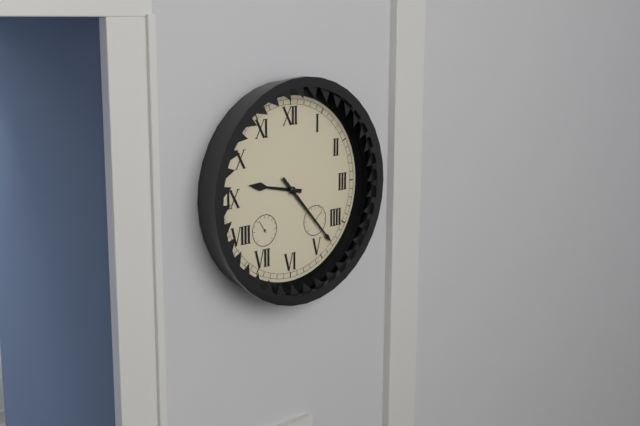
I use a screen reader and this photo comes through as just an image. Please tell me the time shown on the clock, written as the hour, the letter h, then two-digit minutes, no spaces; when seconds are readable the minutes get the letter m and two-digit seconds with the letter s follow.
9h23
